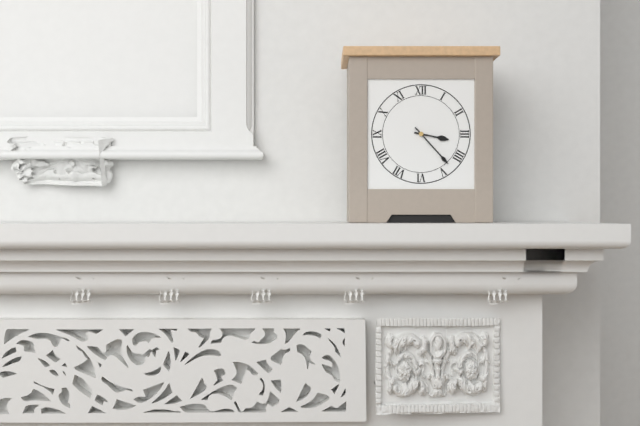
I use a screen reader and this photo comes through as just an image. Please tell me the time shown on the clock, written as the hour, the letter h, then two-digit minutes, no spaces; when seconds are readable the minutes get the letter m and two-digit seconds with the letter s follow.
3h23
